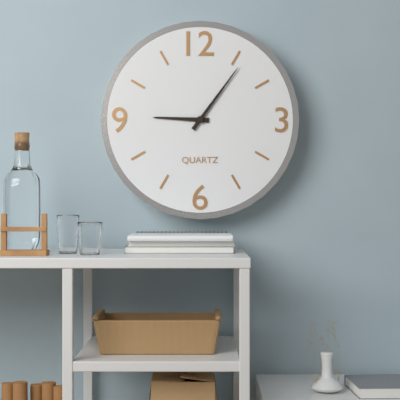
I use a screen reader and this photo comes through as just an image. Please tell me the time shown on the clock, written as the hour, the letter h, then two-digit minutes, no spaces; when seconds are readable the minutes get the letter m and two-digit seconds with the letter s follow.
9h06
